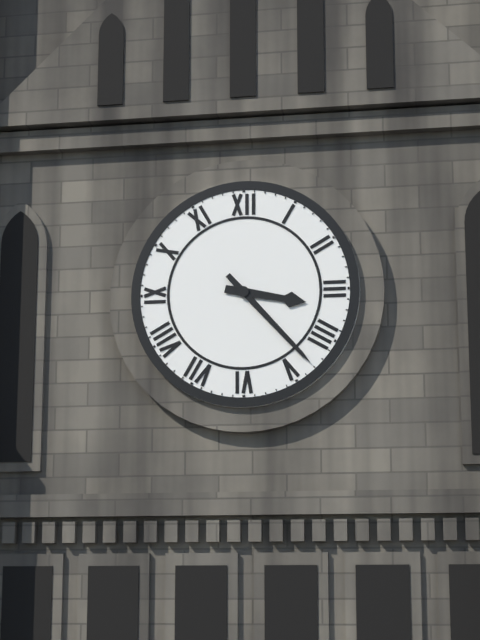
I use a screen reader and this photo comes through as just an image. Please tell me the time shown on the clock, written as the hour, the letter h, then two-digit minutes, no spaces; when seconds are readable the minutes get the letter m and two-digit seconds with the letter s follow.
3h23
